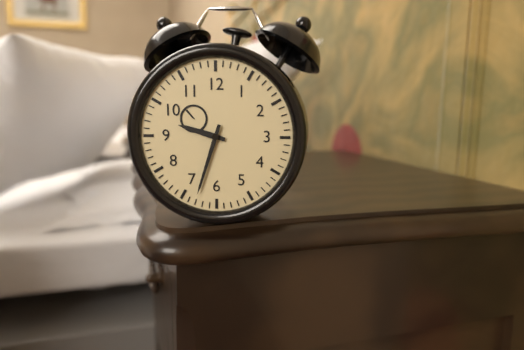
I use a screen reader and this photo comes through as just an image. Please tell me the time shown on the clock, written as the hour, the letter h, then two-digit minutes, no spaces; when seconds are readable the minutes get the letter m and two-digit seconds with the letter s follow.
9h33
